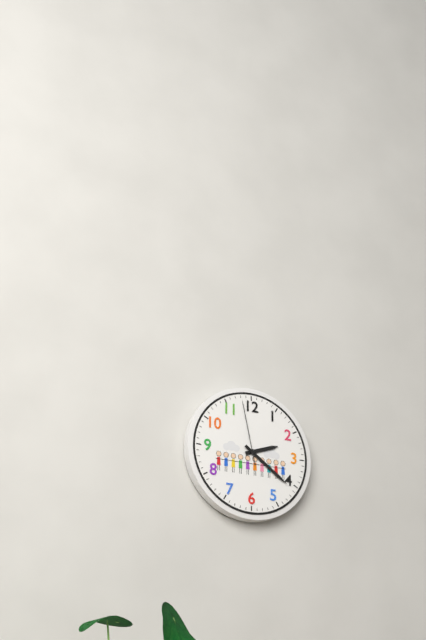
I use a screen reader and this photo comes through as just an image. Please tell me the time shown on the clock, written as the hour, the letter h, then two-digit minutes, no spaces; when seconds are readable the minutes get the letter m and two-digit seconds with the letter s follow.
2h21m58s
